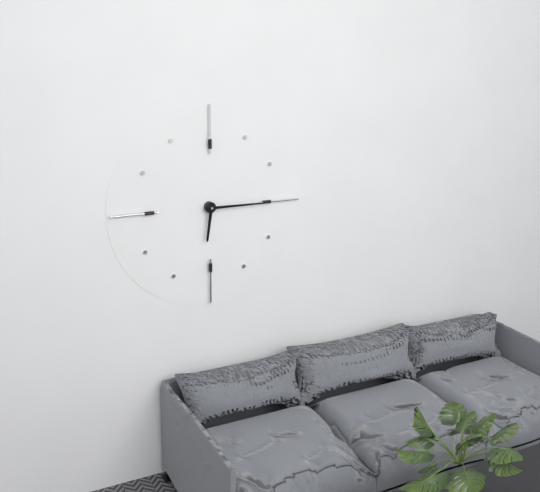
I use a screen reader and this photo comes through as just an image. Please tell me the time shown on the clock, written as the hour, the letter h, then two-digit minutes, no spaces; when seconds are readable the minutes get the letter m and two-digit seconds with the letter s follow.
6h15
